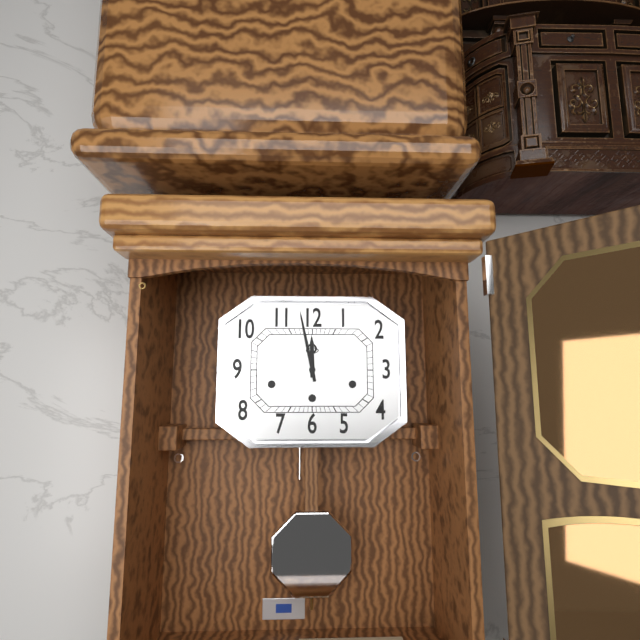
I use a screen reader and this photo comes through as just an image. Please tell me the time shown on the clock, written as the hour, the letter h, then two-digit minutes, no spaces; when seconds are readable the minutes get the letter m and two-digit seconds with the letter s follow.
11h58
